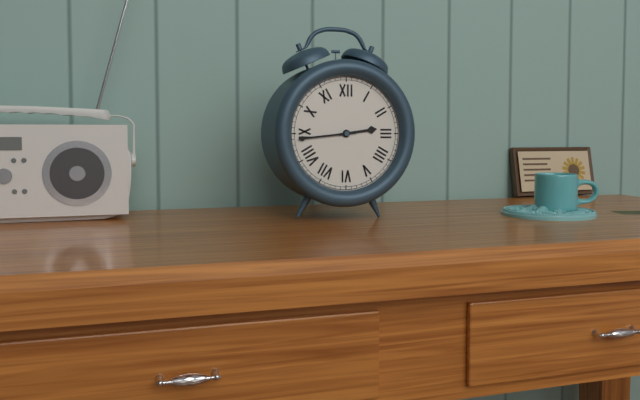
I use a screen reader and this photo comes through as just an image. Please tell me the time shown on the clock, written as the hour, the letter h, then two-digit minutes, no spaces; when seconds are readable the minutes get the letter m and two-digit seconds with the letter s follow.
2h44
